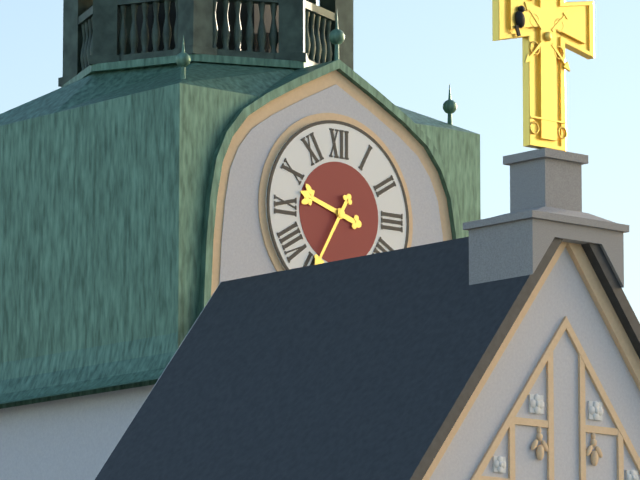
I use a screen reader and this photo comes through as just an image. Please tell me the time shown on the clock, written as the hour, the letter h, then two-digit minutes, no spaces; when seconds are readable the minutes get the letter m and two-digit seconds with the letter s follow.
9h35
